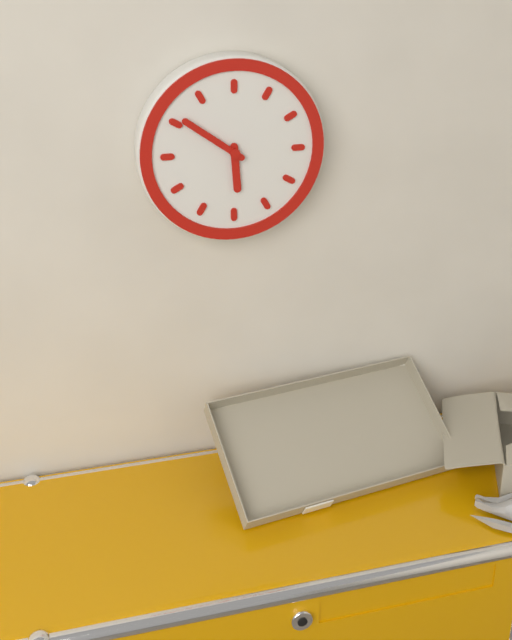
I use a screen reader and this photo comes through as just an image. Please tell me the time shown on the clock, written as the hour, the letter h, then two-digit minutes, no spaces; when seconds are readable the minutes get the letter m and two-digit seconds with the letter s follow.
5h51
